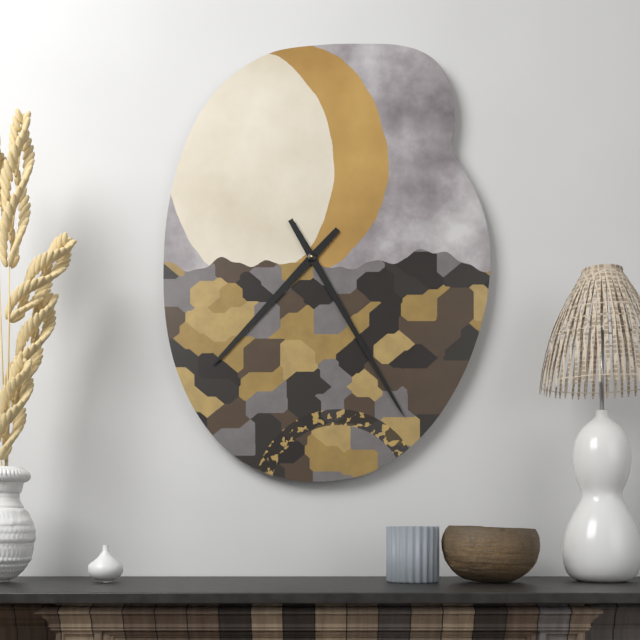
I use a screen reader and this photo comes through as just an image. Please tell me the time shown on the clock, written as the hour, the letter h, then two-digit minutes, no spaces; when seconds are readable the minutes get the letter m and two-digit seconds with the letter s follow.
7h25
